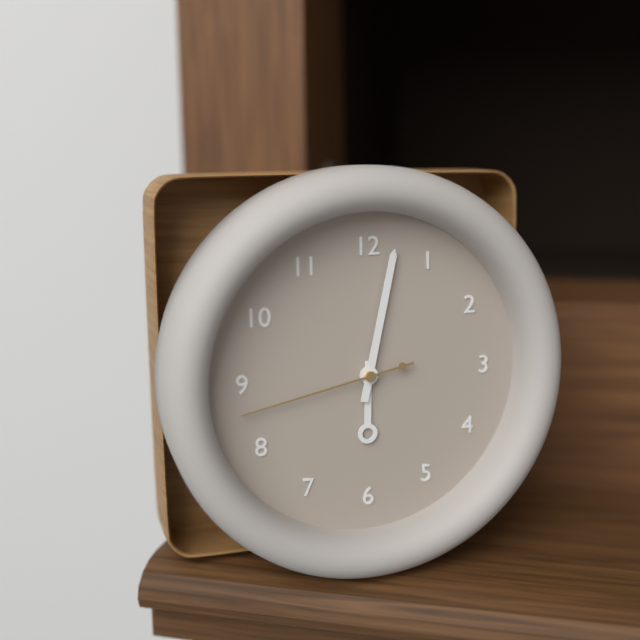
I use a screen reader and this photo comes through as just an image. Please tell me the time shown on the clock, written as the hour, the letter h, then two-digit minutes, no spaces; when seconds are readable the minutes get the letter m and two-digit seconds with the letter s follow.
6h02m43s
